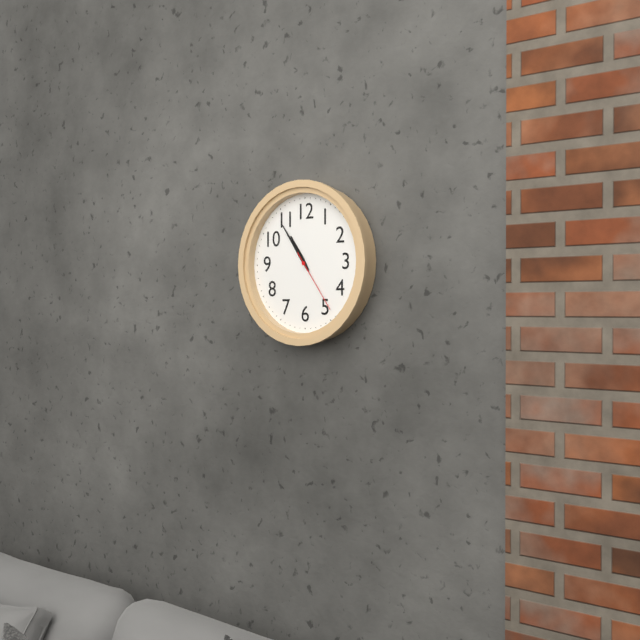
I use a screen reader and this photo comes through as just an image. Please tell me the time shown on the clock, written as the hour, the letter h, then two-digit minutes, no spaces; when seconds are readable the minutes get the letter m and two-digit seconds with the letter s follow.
10h54m24s
